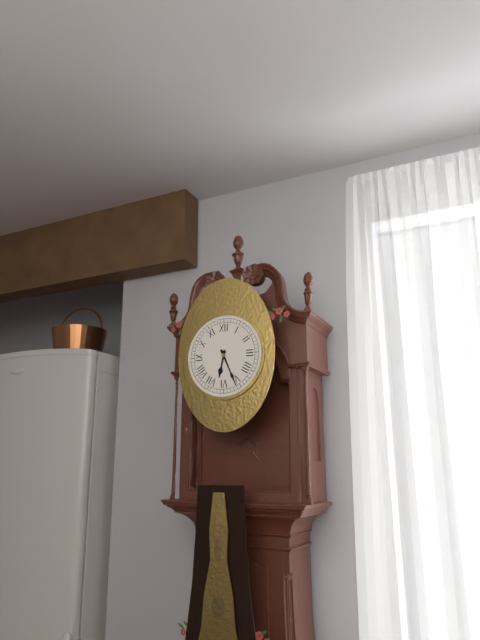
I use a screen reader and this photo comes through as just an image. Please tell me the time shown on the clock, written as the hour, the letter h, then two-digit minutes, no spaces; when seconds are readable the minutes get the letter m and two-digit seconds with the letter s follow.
6h26
